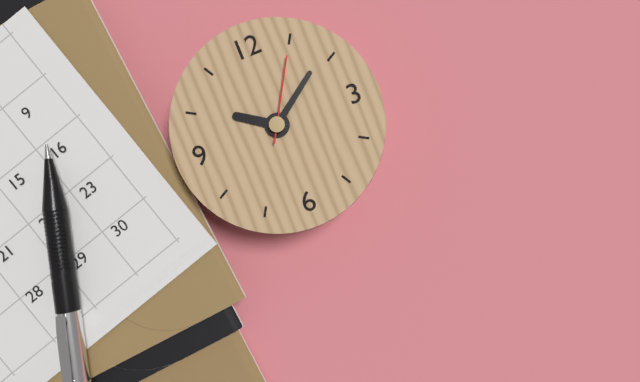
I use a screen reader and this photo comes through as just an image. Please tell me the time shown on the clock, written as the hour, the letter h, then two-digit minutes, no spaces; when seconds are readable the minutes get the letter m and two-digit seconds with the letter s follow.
10h09m05s
